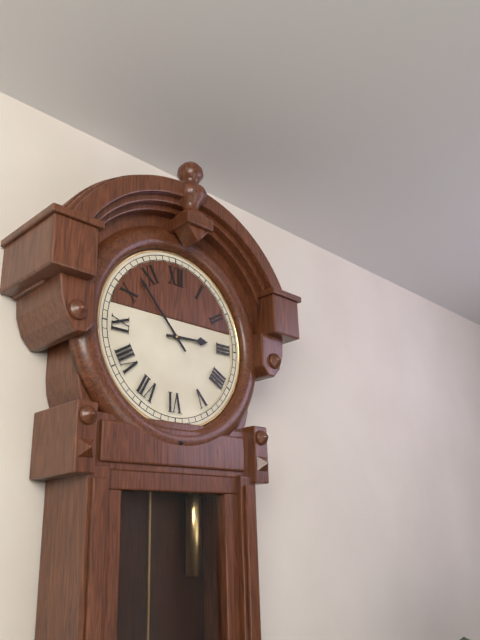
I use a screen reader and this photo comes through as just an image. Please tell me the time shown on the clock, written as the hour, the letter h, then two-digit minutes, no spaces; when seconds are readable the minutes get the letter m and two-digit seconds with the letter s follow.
2h53
